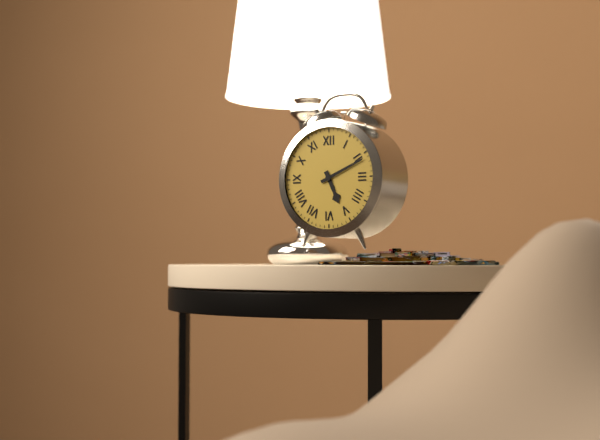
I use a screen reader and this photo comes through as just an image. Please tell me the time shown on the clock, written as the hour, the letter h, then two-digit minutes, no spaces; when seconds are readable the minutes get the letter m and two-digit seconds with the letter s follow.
5h11
